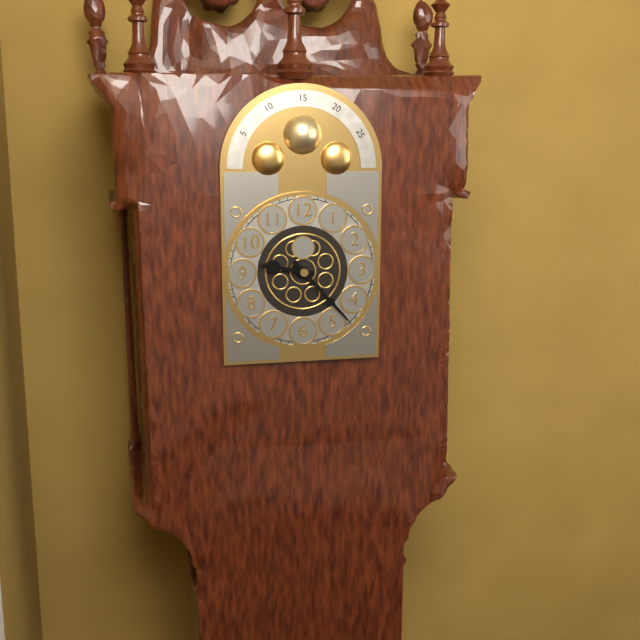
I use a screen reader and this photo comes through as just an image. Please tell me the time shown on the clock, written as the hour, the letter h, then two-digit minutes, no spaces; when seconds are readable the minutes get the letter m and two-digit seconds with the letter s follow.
9h23
